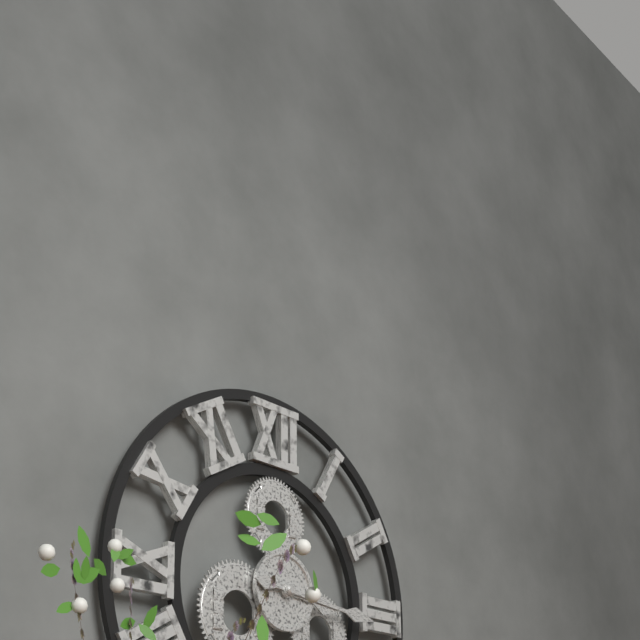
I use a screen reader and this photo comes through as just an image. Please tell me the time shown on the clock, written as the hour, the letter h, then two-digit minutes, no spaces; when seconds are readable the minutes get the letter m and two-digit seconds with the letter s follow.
3h16
